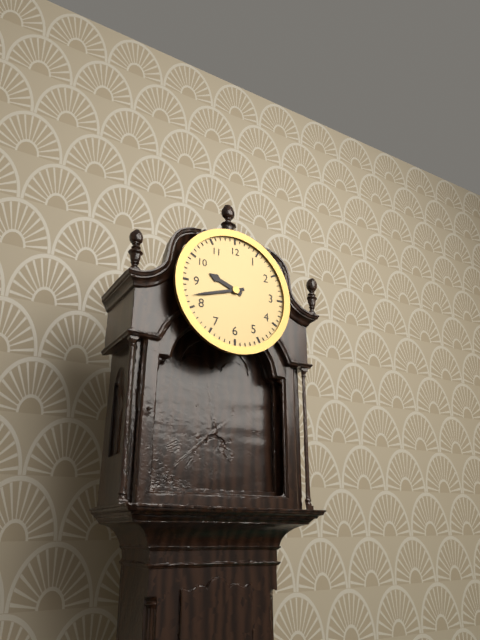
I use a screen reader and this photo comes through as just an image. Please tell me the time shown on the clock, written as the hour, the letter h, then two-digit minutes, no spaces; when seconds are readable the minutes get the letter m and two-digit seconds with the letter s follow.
9h42
